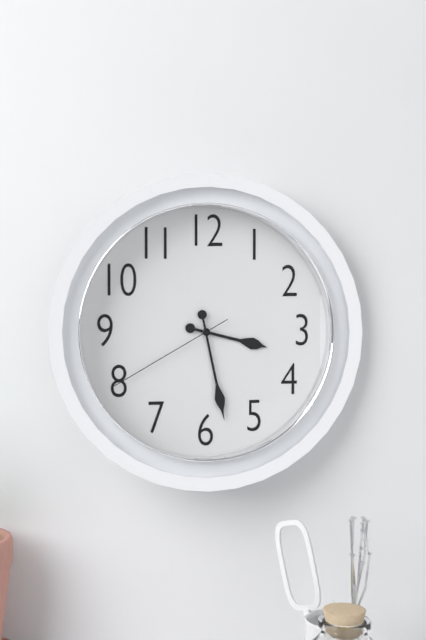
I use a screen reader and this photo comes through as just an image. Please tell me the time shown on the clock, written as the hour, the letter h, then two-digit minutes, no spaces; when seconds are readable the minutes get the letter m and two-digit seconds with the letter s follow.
3h28m40s
